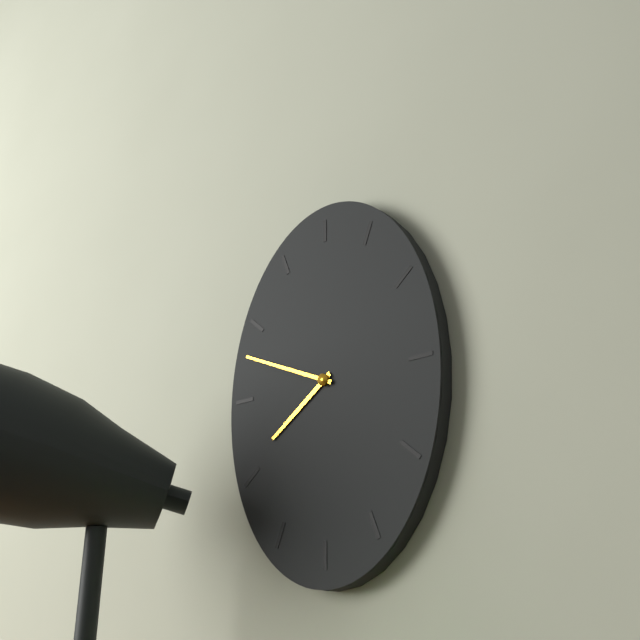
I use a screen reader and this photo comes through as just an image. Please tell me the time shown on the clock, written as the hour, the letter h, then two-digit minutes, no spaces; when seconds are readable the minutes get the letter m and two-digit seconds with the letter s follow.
7h49
